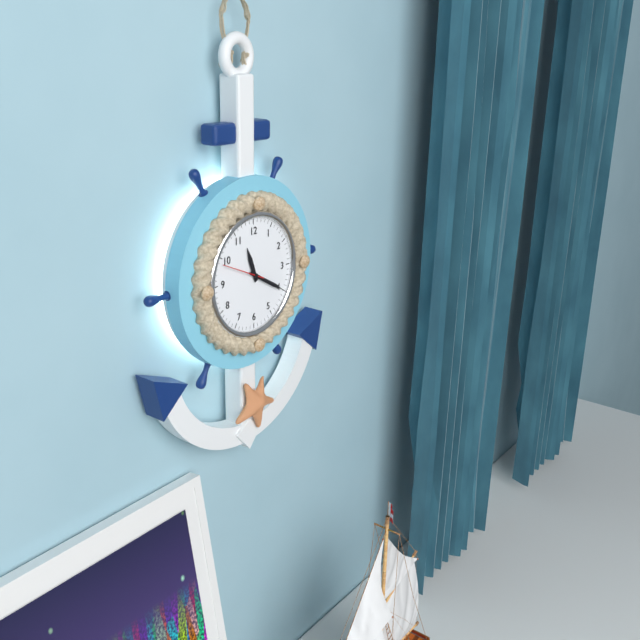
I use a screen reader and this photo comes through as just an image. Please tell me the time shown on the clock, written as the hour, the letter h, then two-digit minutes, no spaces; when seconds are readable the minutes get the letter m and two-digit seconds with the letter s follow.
11h20
